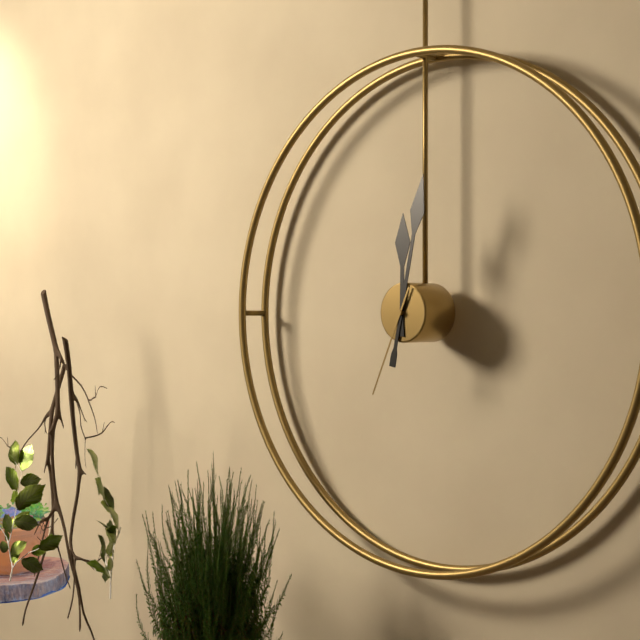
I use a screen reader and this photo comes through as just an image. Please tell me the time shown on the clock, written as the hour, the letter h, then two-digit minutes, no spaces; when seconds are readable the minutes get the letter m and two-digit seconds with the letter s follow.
12h02m34s
